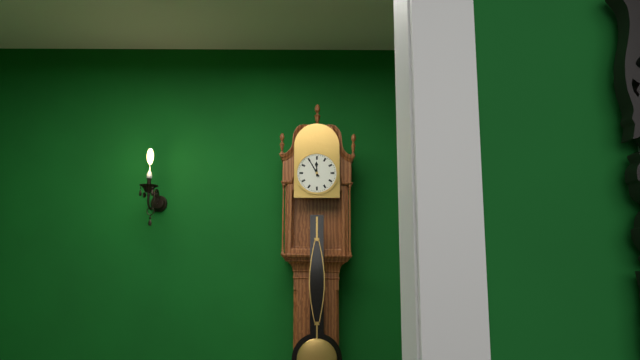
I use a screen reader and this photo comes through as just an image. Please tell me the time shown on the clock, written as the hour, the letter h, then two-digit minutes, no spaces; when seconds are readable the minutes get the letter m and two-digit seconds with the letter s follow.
11h55
